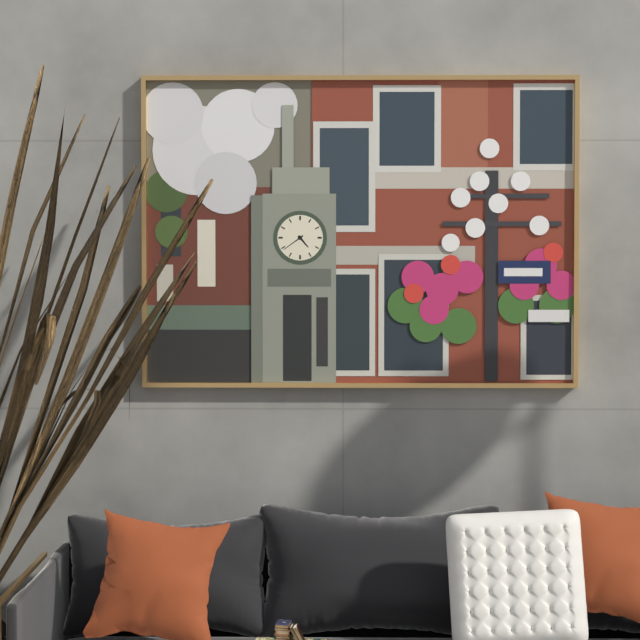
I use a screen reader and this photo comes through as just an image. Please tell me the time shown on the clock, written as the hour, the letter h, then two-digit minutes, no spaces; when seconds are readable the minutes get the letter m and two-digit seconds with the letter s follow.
4h39
